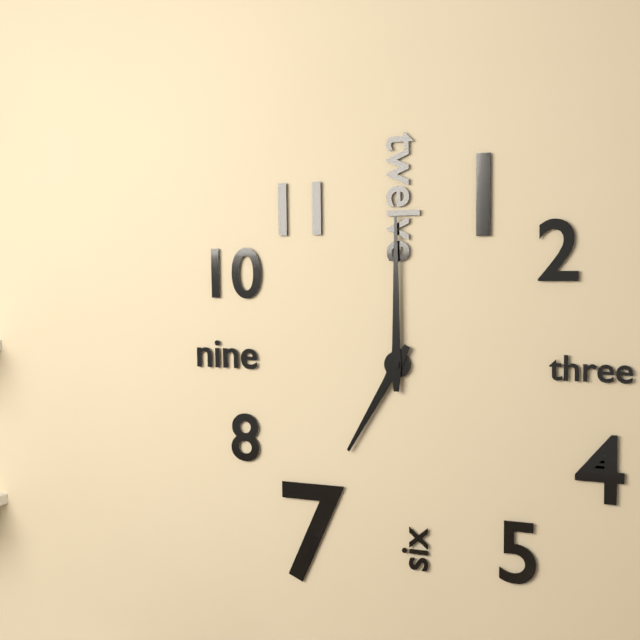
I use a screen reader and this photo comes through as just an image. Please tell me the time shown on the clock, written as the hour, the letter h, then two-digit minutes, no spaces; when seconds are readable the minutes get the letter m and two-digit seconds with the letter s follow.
7h00
